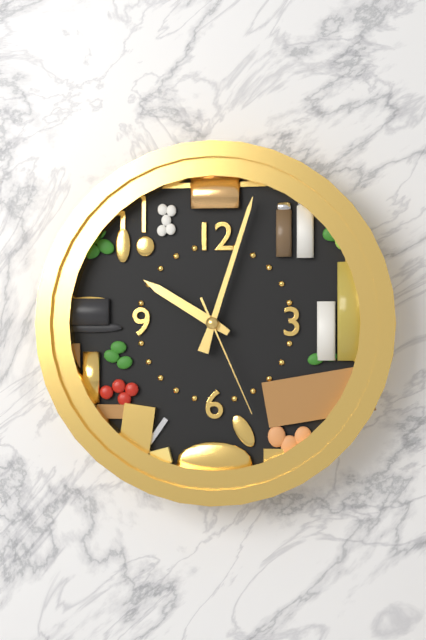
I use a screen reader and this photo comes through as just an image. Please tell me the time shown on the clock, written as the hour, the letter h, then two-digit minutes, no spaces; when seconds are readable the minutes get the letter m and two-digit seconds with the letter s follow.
10h03m26s
